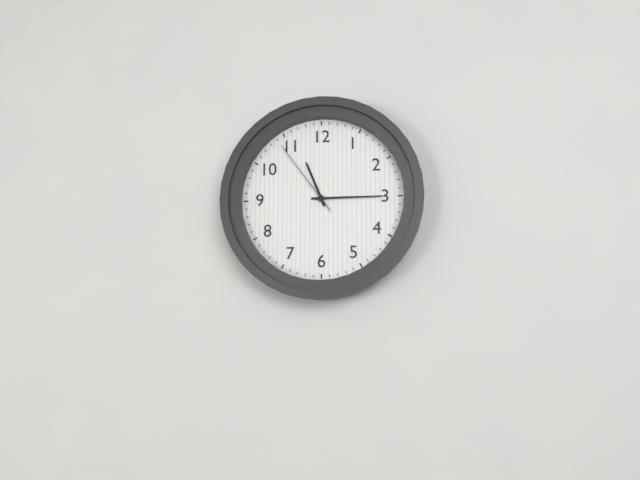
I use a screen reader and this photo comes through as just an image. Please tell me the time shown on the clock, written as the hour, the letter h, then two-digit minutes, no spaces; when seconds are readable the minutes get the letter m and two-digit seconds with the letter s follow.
11h15m54s
